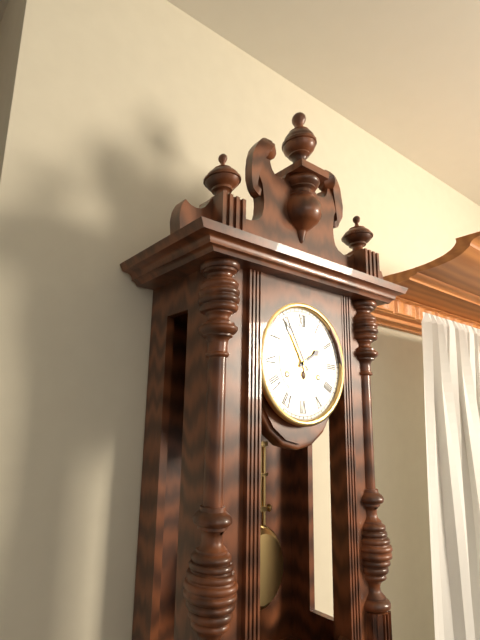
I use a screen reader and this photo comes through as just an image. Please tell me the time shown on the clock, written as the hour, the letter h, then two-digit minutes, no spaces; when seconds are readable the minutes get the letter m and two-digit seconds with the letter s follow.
1h55
